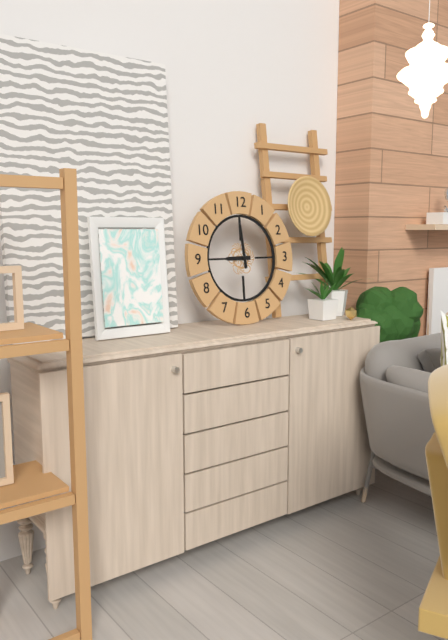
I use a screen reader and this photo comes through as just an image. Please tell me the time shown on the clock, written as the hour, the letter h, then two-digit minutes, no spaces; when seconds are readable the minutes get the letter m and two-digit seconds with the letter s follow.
8h59
